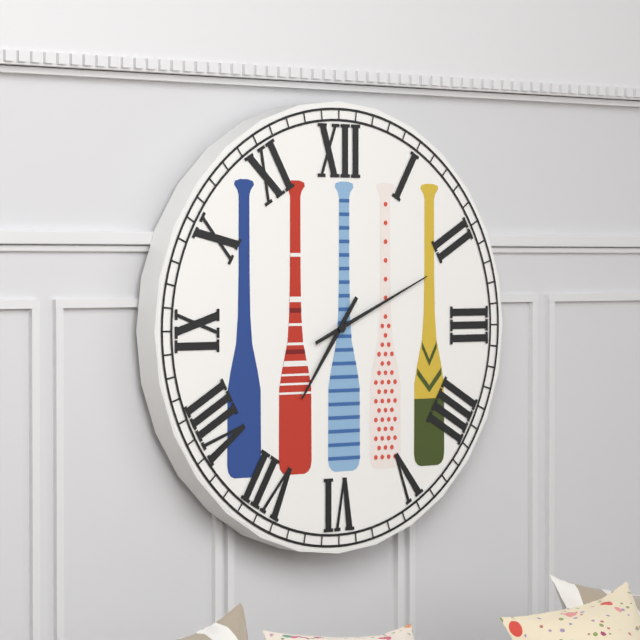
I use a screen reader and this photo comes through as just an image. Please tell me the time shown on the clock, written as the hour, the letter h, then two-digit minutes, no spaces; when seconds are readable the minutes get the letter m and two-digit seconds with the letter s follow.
7h11
